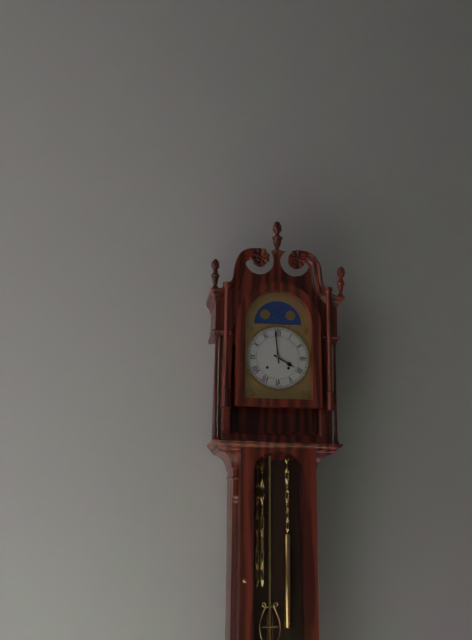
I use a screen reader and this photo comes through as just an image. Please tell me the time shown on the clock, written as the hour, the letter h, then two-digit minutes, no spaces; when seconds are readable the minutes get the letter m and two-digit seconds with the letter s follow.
3h59
